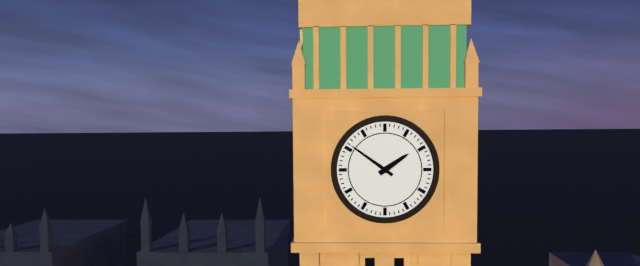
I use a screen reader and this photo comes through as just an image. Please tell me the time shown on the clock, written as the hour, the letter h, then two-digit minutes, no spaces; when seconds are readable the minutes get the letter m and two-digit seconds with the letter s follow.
1h51
